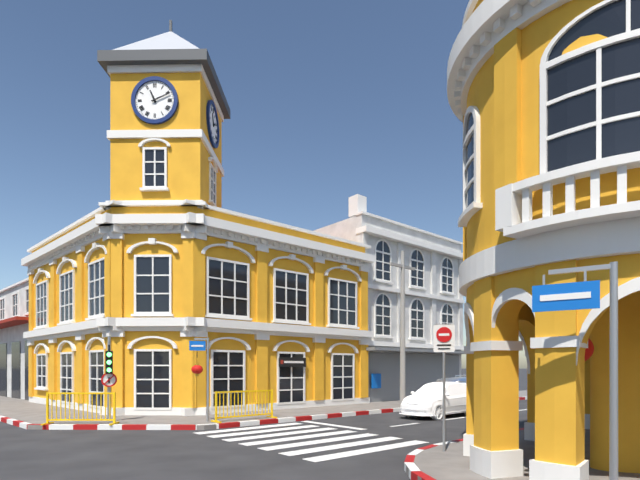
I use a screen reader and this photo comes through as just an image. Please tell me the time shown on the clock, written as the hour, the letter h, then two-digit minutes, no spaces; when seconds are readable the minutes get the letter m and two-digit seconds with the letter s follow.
11h11
